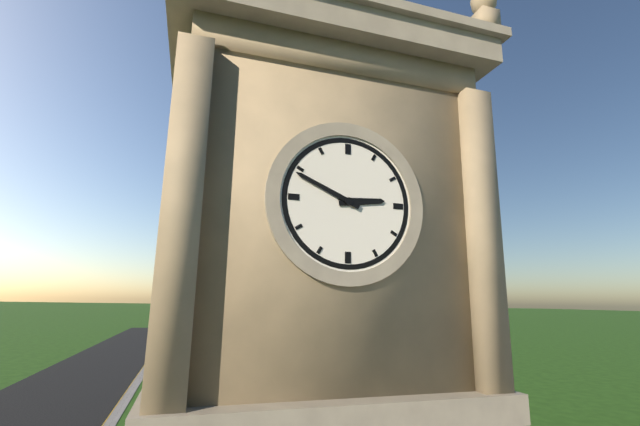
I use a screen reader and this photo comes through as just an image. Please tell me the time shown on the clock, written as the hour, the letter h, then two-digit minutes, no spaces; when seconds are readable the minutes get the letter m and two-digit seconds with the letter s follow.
2h49
